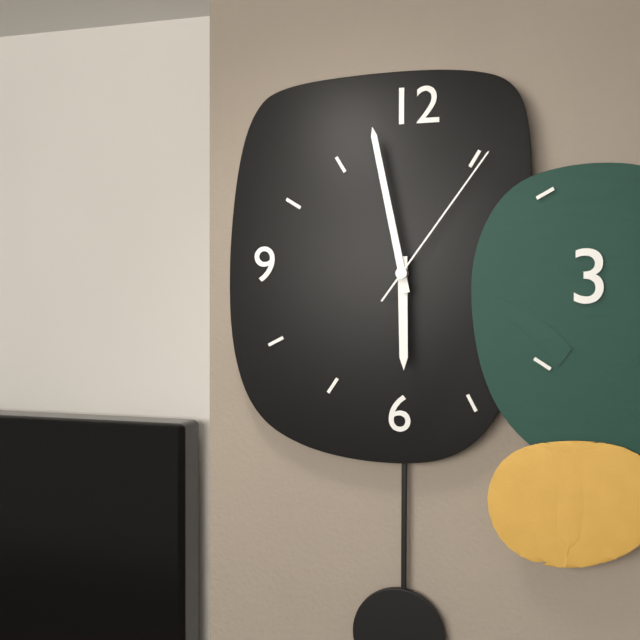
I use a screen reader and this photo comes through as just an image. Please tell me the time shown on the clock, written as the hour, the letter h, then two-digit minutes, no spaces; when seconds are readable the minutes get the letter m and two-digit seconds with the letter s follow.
5h58m06s
